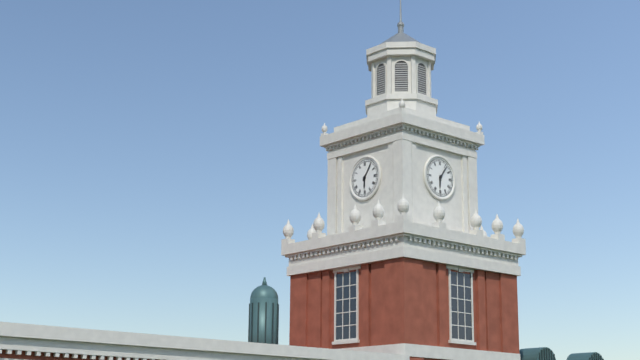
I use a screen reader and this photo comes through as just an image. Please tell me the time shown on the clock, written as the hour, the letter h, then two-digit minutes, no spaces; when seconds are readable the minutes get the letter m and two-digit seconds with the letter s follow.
6h06
